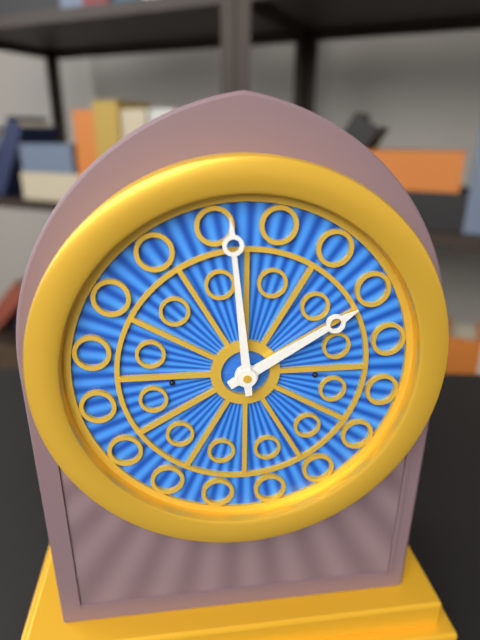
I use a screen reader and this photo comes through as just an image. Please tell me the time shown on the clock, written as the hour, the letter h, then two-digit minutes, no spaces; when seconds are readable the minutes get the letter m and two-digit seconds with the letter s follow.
1h59
